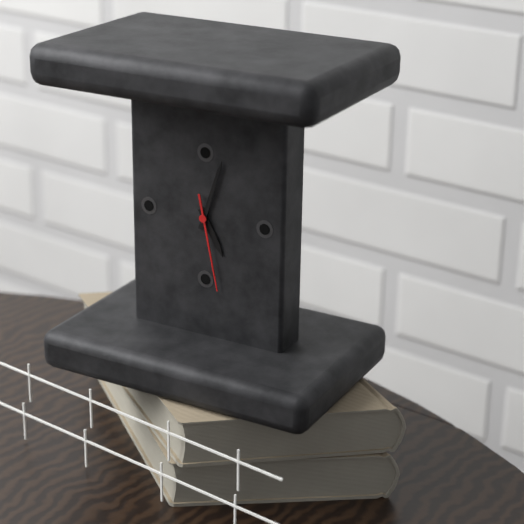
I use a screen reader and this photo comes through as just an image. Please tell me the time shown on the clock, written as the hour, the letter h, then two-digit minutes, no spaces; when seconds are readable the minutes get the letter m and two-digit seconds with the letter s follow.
5h03m28s
